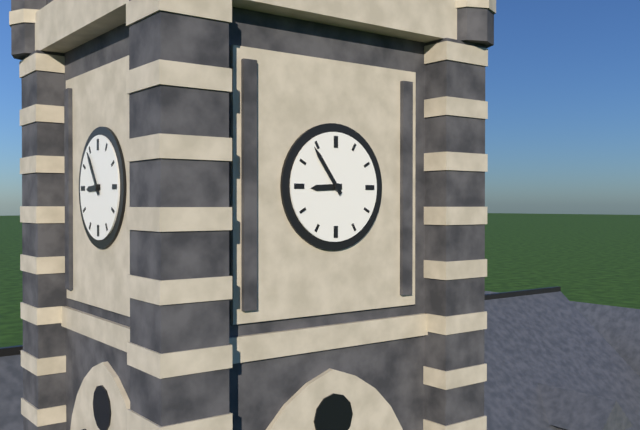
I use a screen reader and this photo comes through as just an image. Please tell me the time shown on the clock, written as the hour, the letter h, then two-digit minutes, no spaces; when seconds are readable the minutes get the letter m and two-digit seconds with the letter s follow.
8h54
